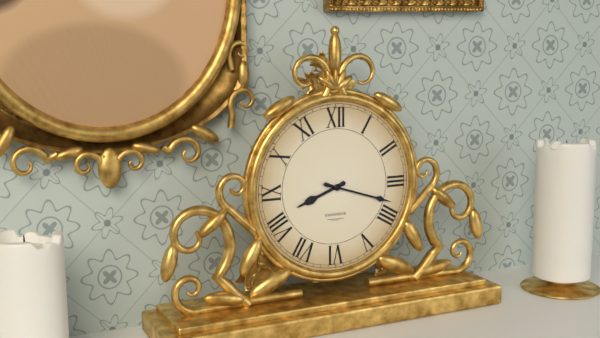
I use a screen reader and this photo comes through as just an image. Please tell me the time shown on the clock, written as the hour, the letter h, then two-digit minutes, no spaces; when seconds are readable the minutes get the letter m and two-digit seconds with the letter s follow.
8h18
